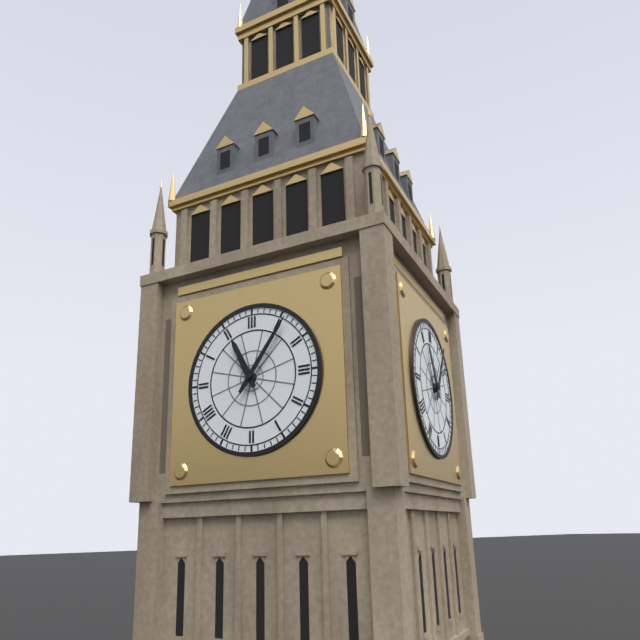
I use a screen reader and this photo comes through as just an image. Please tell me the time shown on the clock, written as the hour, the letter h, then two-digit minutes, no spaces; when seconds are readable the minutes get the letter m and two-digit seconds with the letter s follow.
11h06
